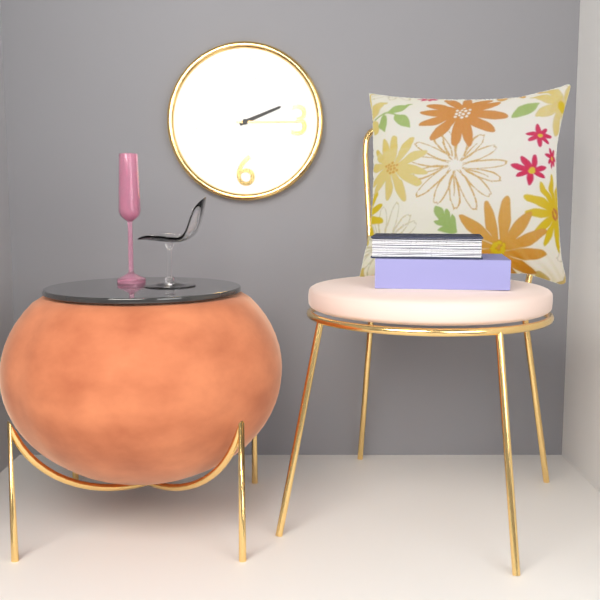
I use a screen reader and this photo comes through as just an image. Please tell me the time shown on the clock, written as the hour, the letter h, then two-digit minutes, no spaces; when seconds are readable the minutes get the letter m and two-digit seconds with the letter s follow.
2h15
